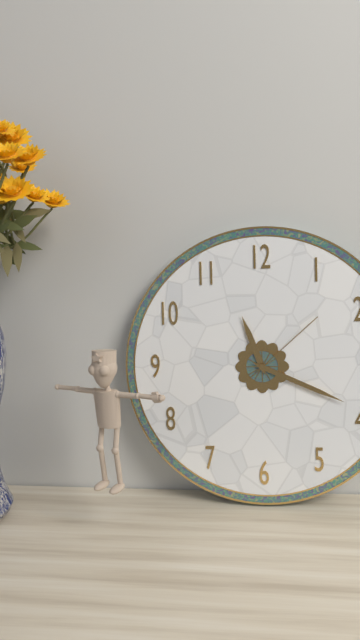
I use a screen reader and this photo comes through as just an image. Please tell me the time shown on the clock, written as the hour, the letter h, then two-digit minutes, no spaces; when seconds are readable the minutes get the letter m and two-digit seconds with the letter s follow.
11h19m08s
